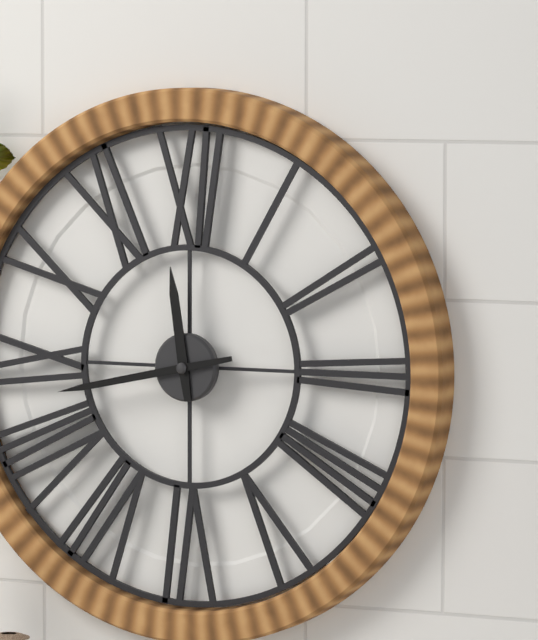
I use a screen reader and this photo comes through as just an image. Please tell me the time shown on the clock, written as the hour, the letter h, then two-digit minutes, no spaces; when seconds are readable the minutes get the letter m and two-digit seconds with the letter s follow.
11h43
